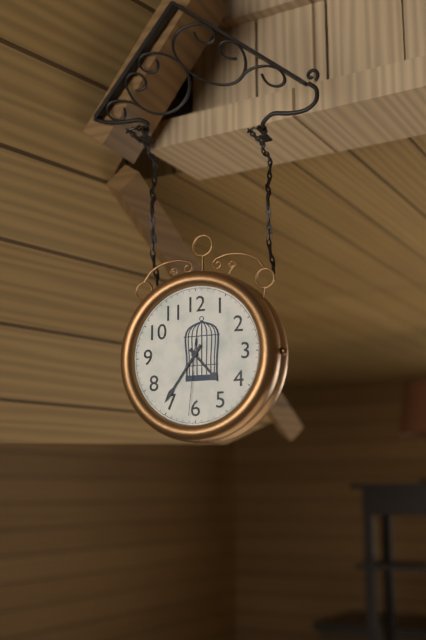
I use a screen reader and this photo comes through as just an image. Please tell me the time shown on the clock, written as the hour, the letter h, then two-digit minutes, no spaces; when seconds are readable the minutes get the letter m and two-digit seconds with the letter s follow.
4h36m31s
